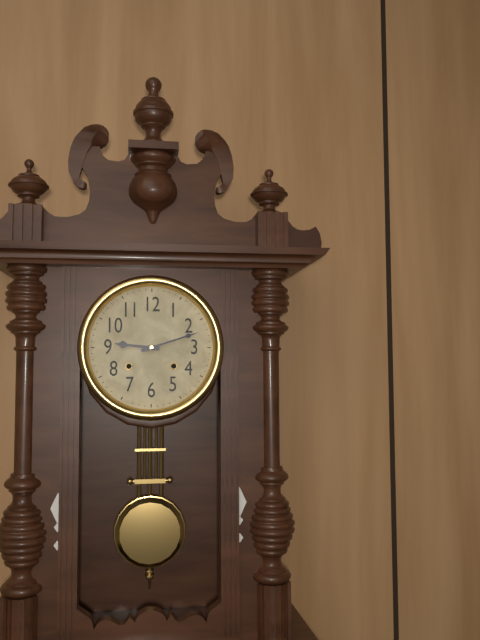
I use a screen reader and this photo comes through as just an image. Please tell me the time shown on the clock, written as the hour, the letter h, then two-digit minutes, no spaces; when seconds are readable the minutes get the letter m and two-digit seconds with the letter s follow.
9h12
